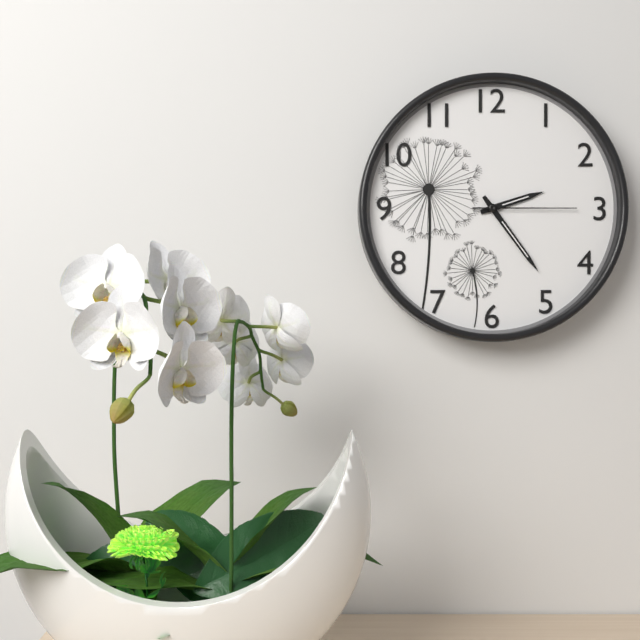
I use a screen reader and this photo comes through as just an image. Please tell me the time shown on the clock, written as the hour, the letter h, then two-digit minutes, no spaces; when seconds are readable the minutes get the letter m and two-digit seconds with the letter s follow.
2h24m15s
